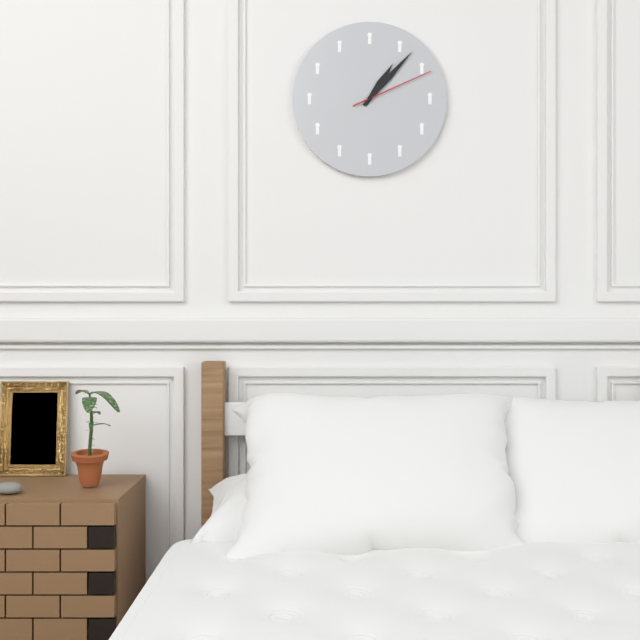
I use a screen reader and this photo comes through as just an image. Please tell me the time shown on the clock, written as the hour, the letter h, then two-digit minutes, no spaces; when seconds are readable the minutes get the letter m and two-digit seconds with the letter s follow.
1h07m11s
